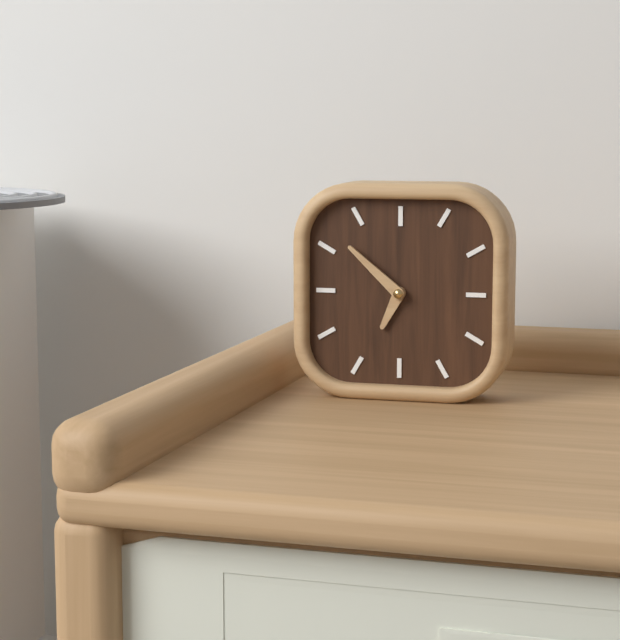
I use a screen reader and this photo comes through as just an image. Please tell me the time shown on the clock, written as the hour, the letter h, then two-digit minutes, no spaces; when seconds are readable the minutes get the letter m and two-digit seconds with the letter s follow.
6h52
